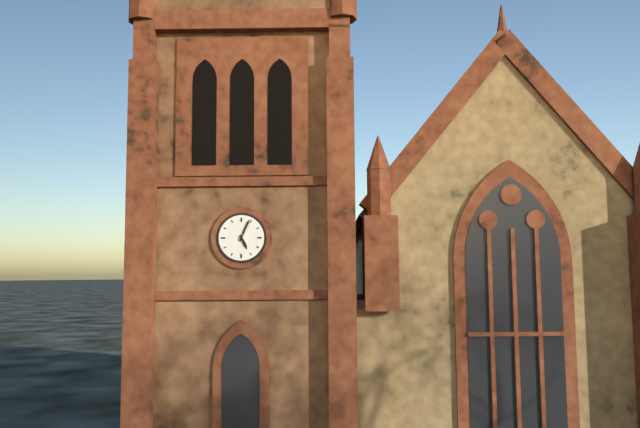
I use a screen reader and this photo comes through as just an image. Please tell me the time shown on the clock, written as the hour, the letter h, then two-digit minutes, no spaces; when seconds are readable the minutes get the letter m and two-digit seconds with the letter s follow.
5h04
